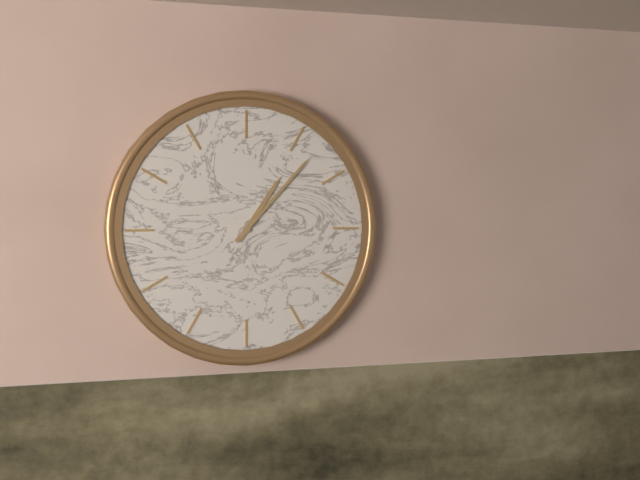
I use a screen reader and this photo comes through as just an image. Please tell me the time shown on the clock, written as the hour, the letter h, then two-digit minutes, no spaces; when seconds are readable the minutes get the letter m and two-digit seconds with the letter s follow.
1h07
